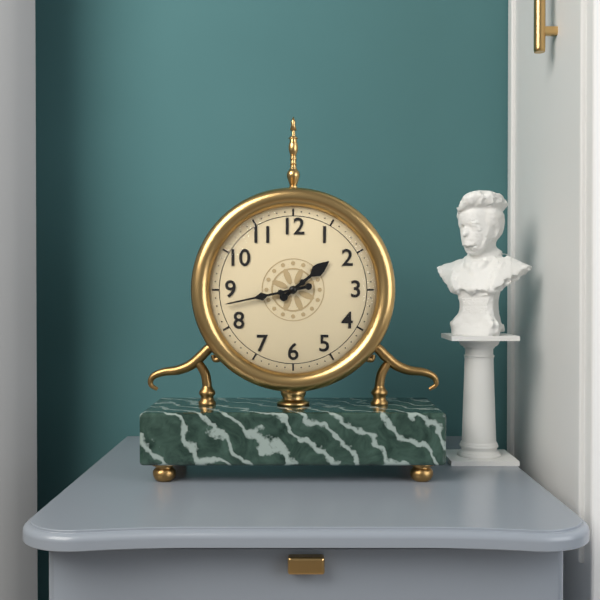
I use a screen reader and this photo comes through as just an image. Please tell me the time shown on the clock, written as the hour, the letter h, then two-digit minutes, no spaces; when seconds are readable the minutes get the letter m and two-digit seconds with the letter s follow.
1h43
